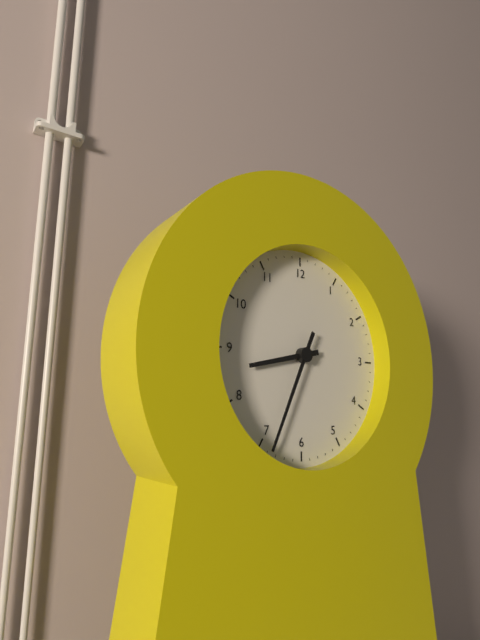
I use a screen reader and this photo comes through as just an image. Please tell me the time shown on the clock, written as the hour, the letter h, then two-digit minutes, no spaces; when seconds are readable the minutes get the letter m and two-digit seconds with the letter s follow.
8h34
